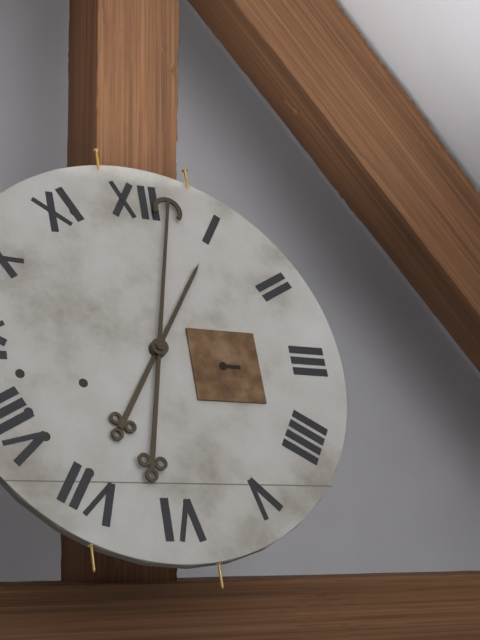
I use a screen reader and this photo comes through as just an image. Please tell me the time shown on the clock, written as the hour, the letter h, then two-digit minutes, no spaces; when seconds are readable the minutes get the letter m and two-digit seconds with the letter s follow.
1h02
